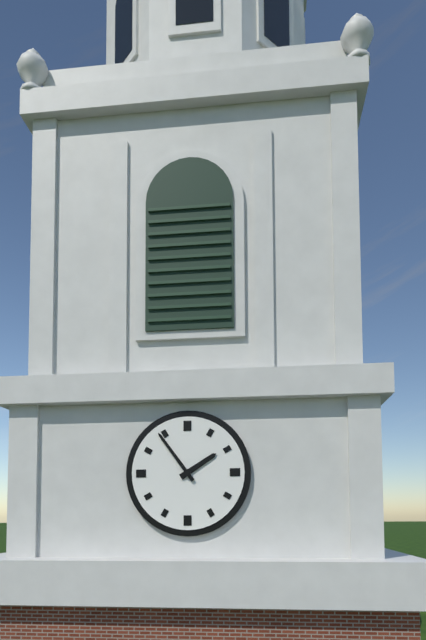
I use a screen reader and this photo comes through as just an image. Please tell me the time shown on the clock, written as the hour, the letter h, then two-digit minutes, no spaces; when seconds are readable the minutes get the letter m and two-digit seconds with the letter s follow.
1h54
